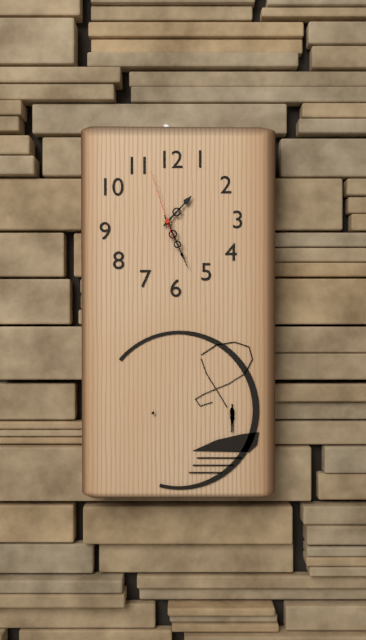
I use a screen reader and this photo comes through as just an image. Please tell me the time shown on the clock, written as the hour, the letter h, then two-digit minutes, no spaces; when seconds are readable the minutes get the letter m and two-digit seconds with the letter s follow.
1h26m57s
